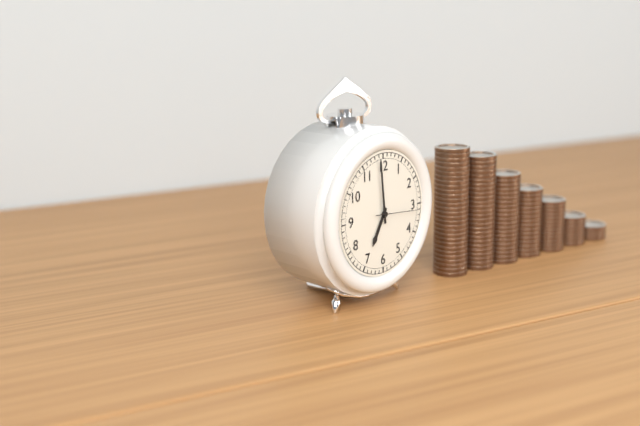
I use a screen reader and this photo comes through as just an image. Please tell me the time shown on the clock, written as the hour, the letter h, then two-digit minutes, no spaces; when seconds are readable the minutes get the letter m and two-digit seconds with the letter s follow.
6h59
